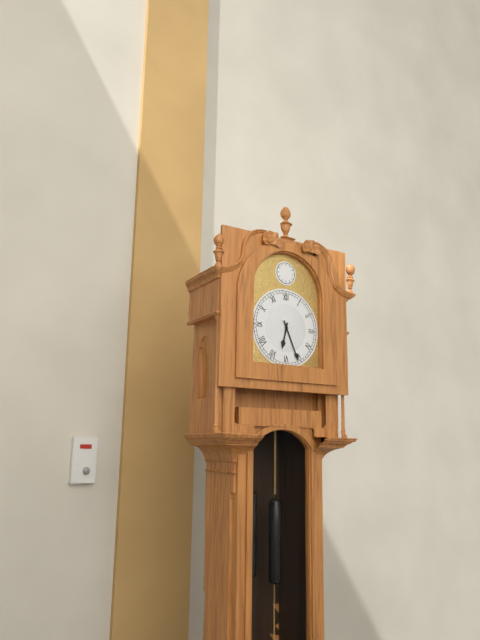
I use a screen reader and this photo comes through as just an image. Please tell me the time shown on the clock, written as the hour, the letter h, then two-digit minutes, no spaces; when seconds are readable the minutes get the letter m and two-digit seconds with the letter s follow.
6h26
